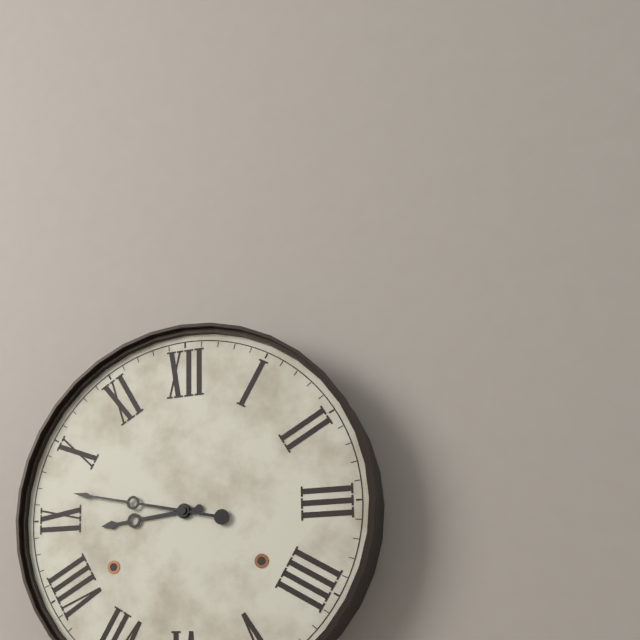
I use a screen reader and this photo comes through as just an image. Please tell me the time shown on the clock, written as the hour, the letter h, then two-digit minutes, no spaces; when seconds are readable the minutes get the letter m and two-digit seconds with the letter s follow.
8h47
